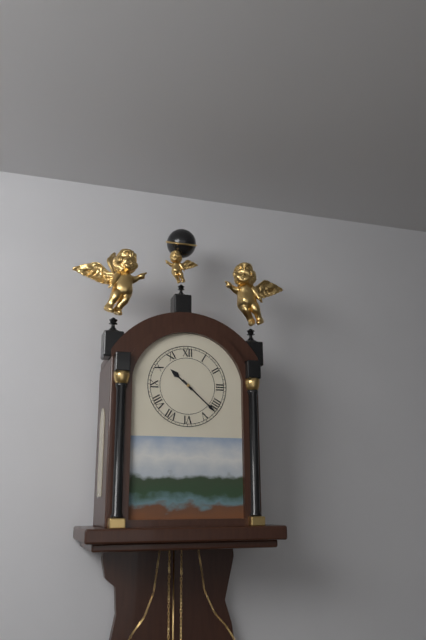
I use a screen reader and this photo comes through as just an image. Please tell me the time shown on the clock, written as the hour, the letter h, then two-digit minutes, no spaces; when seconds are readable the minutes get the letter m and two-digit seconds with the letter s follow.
10h22
